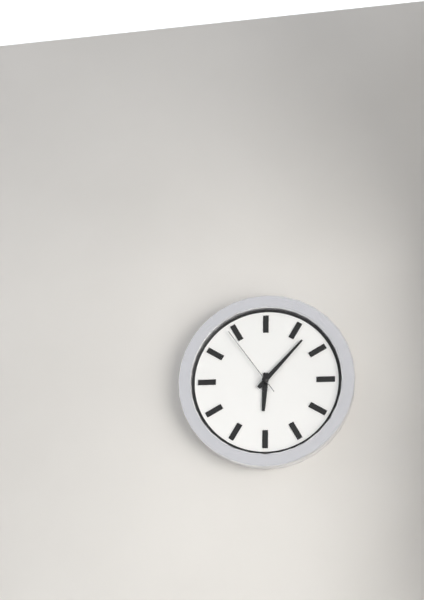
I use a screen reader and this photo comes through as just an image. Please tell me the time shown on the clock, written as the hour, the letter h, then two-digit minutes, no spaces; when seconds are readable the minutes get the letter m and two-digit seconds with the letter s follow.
6h07m54s
